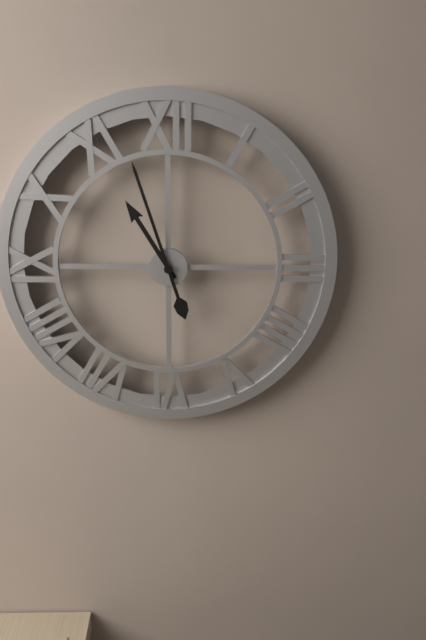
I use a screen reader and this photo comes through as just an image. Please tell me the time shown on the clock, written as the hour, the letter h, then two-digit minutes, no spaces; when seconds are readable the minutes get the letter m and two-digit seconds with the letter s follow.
10h57
